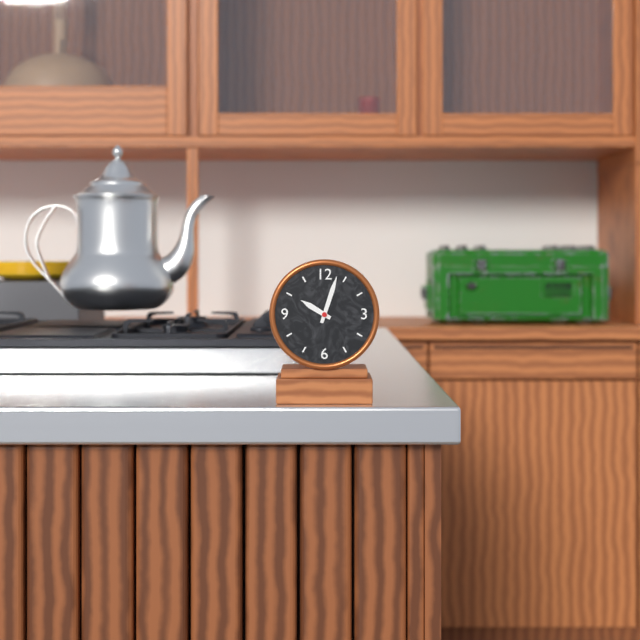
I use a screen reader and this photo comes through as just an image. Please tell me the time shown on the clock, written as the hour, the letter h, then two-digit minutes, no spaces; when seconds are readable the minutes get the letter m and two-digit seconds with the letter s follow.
10h03
